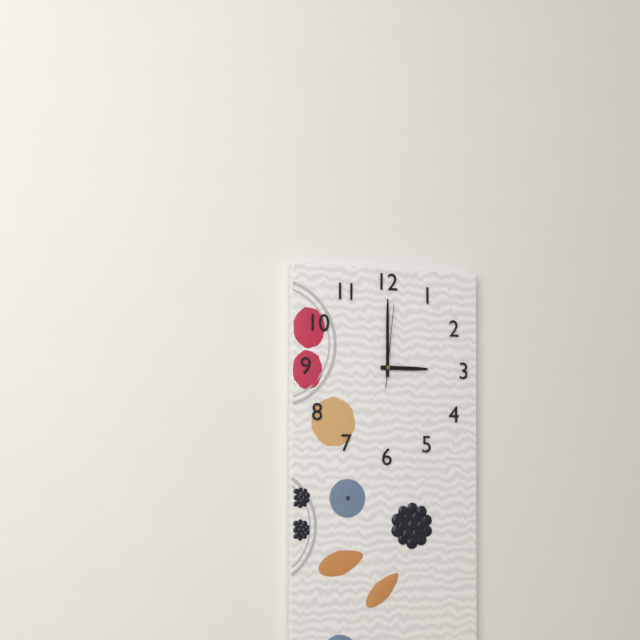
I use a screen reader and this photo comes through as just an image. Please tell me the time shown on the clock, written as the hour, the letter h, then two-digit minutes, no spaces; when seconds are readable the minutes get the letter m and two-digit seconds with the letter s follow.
3h00m01s
